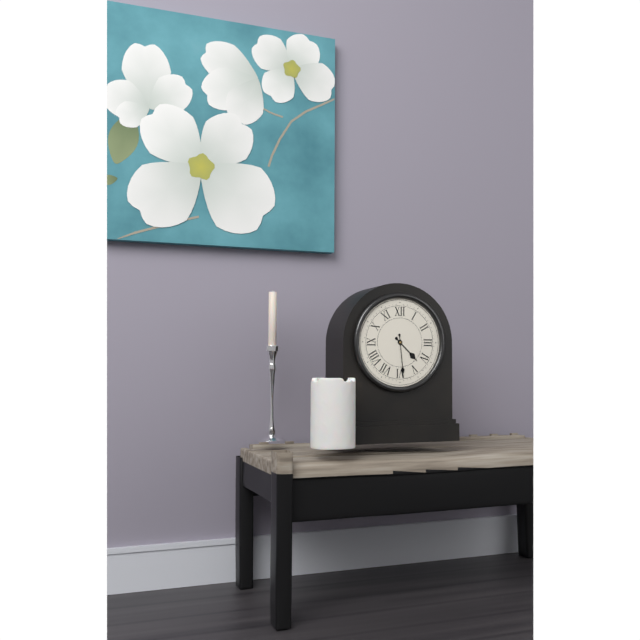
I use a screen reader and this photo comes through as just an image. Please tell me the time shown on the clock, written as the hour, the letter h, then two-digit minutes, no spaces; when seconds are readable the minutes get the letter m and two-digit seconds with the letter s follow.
4h29
